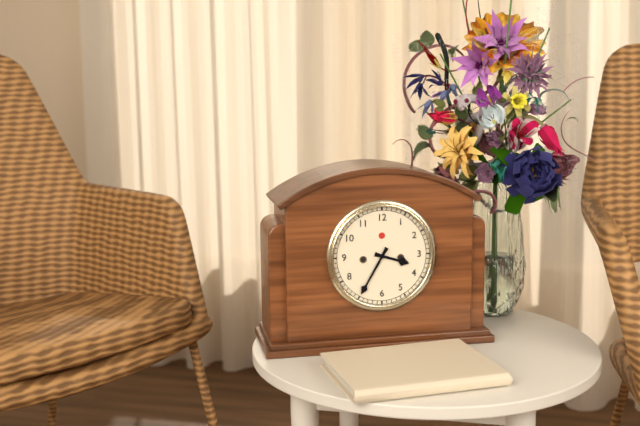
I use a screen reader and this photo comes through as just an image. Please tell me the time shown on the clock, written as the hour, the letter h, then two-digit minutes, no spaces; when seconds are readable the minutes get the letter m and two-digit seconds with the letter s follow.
3h35
